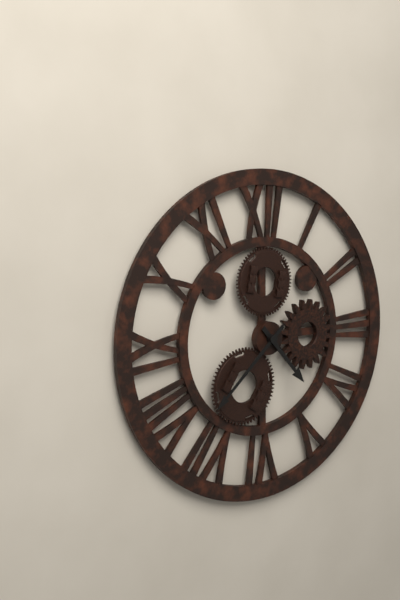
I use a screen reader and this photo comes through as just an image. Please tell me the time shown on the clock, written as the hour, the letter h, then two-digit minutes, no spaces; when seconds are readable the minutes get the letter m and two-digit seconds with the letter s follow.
4h38
